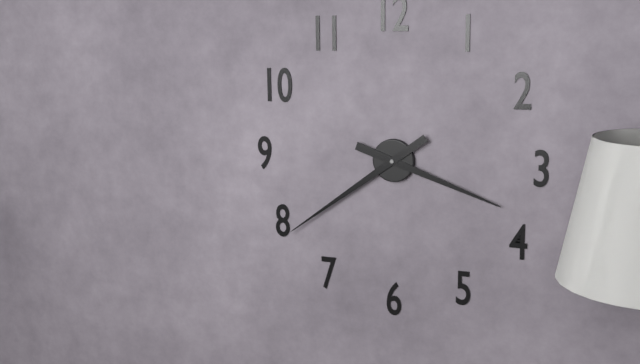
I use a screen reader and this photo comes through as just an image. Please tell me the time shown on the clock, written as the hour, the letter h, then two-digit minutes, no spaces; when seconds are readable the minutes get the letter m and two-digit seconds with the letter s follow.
3h39
